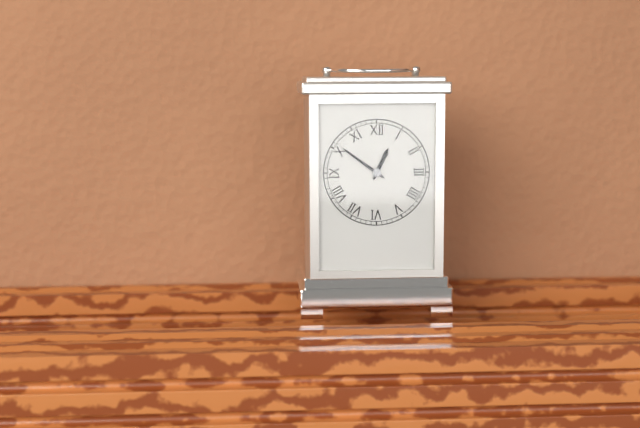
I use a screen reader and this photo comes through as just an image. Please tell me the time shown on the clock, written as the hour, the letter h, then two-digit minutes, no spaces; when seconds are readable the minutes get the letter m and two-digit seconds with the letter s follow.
12h51
